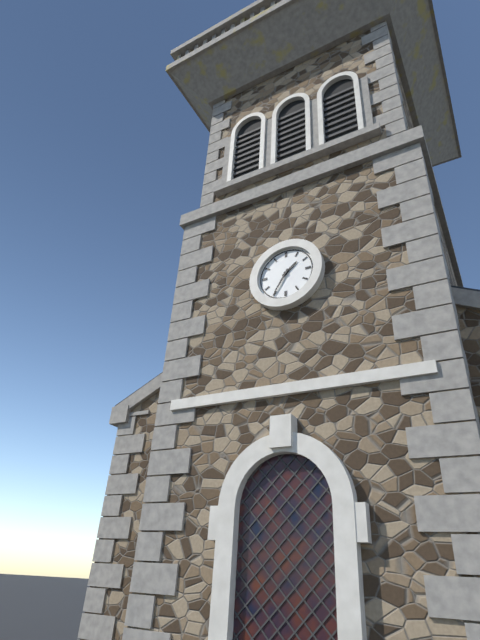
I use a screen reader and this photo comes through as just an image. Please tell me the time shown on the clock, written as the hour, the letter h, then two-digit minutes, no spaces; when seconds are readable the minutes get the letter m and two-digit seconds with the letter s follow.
1h35
